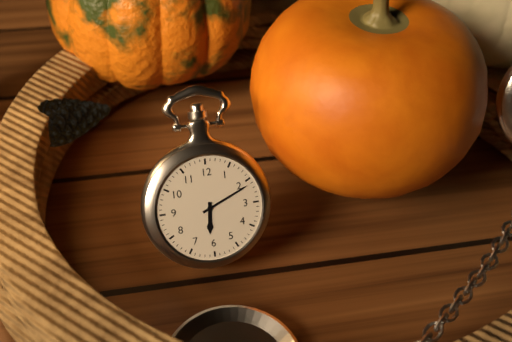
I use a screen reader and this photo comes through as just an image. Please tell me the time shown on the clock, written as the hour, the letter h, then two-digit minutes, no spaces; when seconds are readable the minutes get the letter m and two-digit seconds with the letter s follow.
6h11
